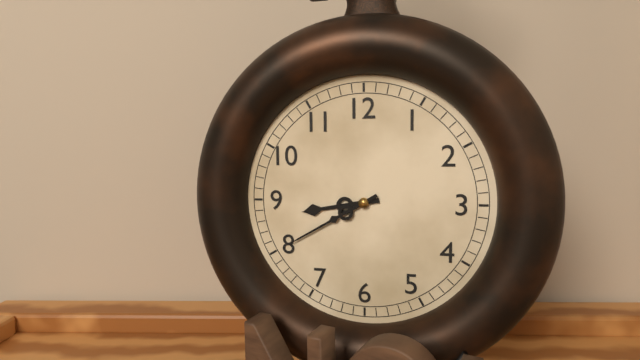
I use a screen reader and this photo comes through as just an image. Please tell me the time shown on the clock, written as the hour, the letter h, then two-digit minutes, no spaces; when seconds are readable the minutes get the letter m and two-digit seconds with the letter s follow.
8h40
